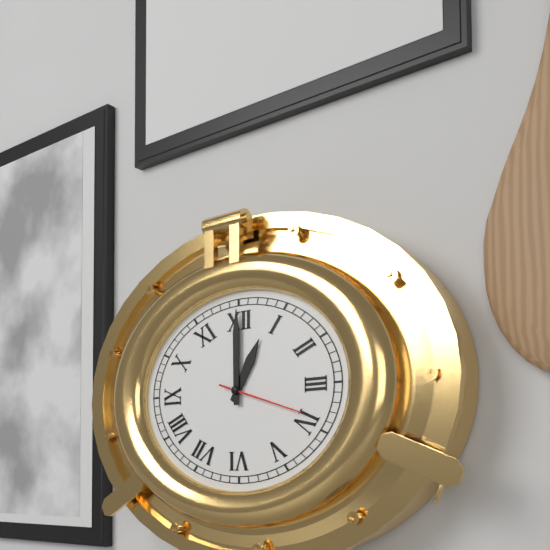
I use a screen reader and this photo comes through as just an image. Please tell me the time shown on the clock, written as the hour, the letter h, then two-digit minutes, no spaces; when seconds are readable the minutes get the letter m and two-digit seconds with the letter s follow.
1h00m18s
